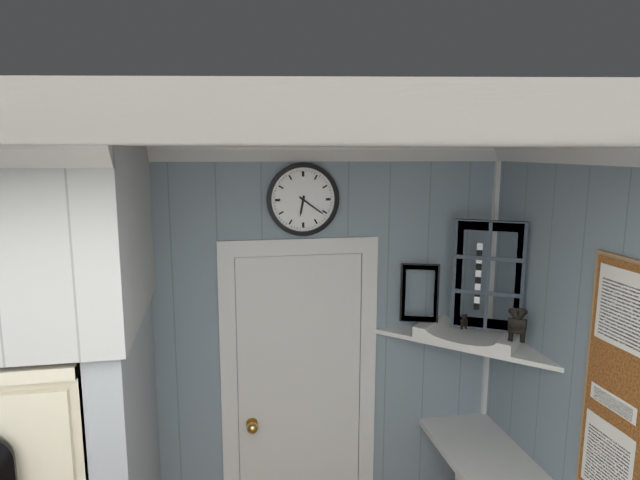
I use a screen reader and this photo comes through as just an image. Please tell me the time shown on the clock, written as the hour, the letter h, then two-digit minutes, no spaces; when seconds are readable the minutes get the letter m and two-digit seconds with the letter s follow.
6h21
